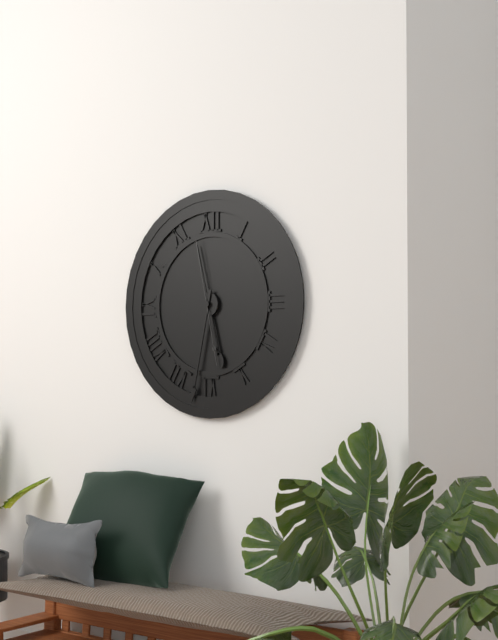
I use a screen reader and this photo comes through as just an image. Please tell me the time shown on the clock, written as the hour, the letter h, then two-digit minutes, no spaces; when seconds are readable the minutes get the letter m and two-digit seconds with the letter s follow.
5h32m58s
